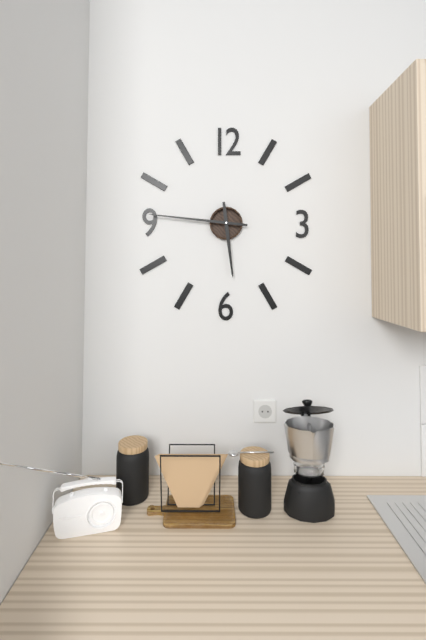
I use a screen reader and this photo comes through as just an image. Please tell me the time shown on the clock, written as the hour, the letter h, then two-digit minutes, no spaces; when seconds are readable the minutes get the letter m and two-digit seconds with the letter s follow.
5h46
